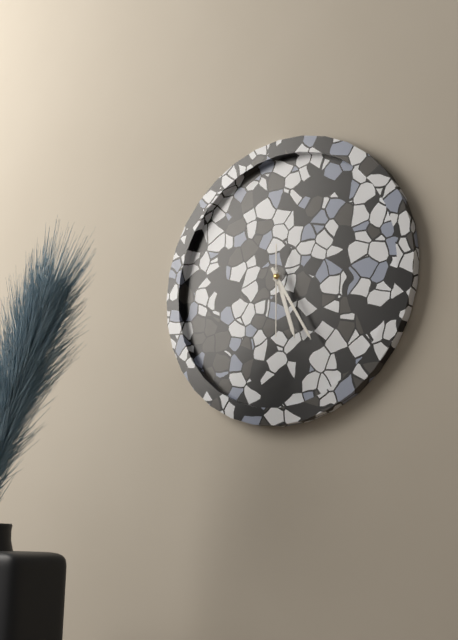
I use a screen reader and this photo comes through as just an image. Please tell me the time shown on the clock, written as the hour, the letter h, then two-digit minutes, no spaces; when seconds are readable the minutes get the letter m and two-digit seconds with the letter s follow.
5h25m30s
